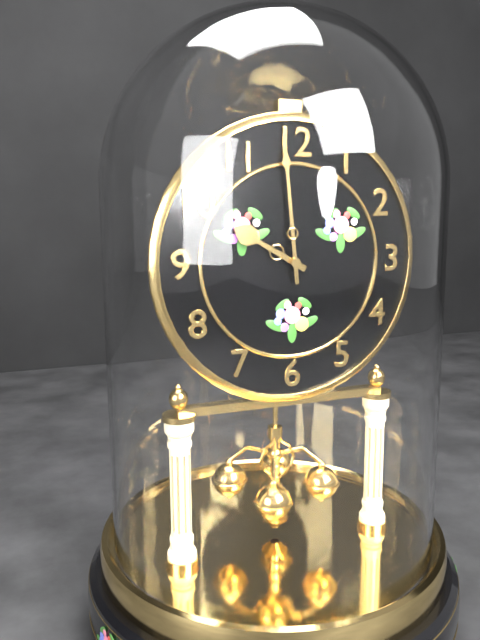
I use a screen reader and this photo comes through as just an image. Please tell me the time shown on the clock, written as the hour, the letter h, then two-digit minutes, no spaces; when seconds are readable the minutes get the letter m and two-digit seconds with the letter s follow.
9h59
